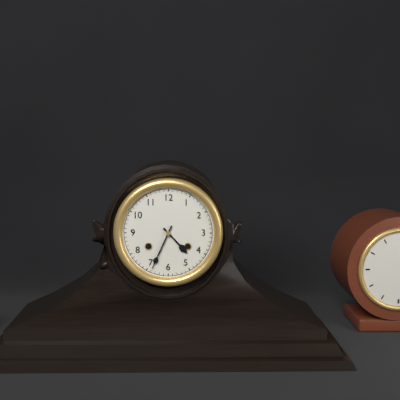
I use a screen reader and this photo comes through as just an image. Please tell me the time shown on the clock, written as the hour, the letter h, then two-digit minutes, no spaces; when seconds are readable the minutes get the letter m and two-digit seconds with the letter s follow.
4h34
